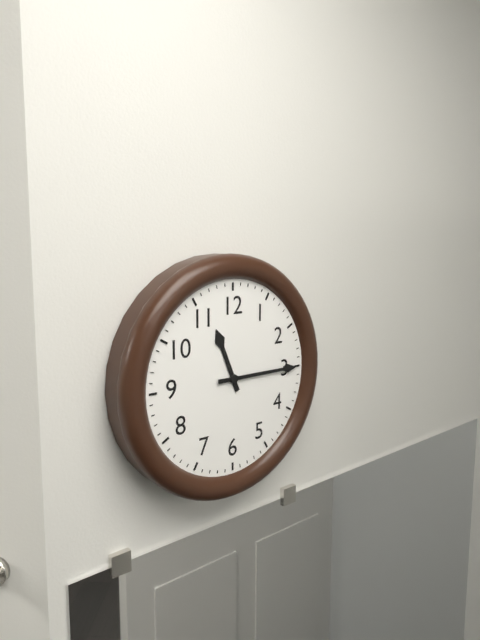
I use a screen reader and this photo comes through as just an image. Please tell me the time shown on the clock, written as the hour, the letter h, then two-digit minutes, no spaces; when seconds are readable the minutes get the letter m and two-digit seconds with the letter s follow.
11h15
